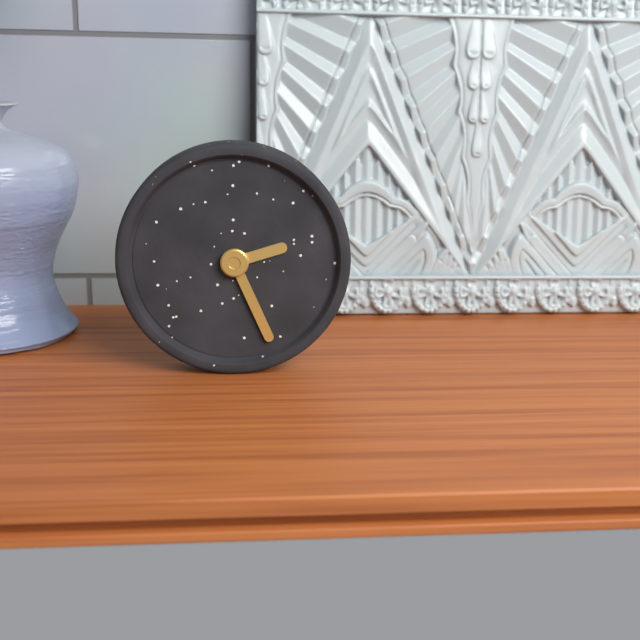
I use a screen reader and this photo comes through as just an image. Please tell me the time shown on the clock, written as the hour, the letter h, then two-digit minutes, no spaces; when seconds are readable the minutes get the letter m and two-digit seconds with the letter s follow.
2h26
